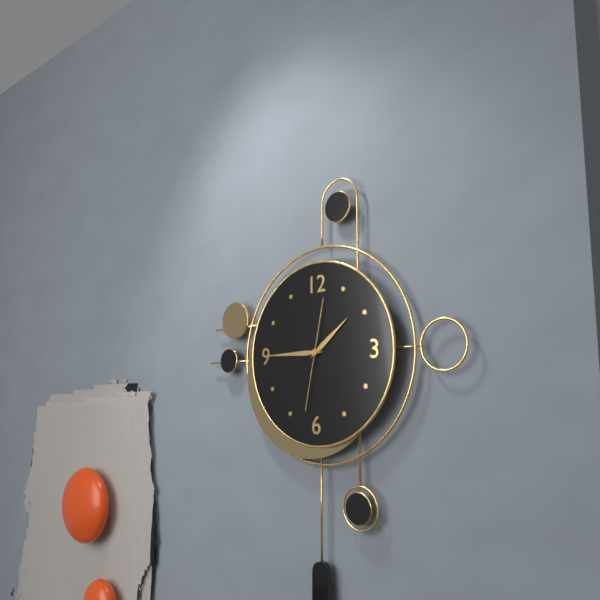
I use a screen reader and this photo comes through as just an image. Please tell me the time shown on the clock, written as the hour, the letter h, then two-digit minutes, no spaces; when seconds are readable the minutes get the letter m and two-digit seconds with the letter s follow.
1h45m32s
